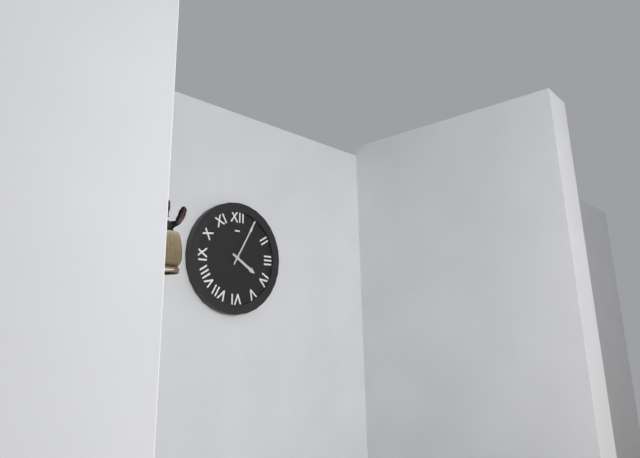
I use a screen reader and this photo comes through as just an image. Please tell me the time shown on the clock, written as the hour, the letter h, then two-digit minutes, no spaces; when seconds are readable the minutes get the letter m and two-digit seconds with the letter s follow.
4h05
